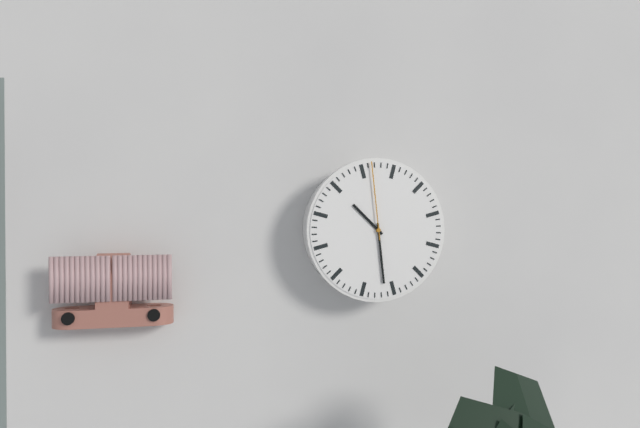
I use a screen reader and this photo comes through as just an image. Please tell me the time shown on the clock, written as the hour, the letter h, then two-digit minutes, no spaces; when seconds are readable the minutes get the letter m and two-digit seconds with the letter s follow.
10h29m59s
